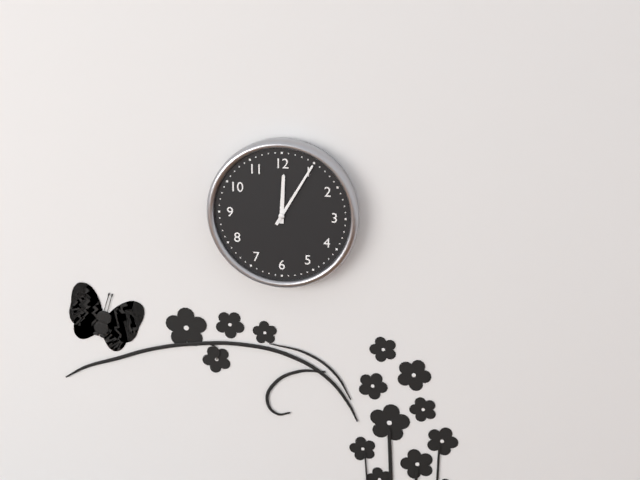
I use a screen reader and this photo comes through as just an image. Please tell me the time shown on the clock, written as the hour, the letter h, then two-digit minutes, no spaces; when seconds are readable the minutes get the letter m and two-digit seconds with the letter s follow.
12h05
